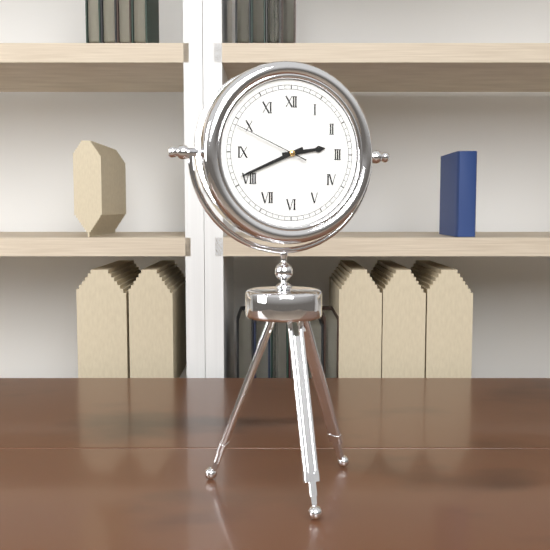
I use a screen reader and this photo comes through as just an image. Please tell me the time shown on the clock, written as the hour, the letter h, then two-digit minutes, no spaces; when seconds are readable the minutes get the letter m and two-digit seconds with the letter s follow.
2h41m49s
